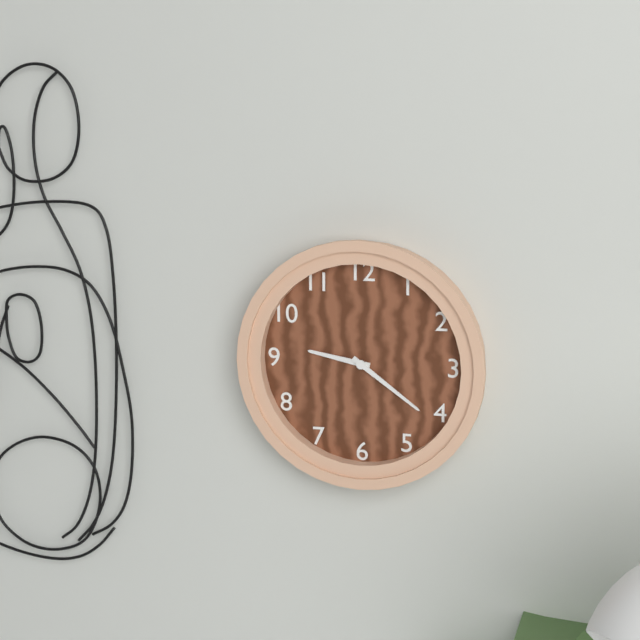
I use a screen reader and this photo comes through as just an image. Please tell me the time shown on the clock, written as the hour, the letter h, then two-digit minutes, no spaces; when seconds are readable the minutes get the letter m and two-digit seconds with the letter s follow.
9h21
